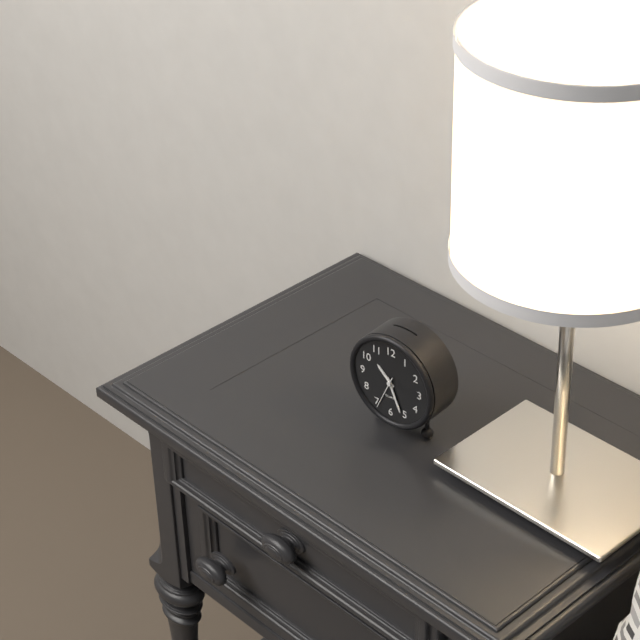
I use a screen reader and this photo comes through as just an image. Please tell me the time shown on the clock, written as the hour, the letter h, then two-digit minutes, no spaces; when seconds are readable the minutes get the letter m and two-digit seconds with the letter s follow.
10h26
